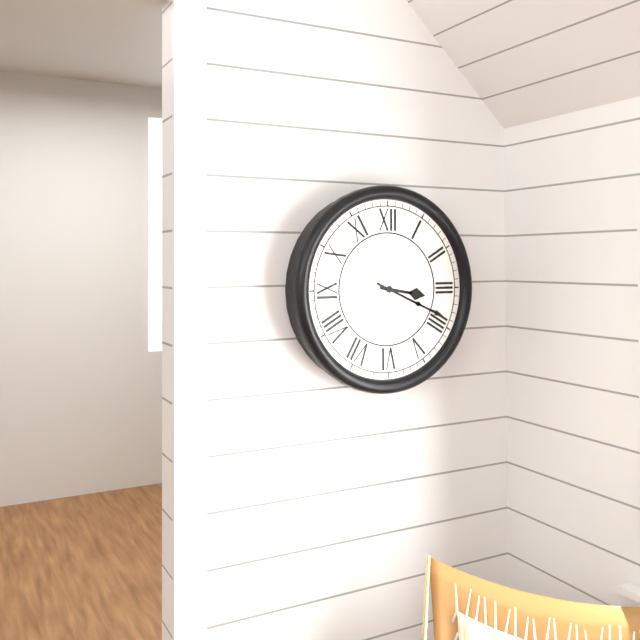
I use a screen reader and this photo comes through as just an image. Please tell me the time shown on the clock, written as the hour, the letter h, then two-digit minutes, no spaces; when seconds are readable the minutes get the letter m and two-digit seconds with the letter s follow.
3h19
